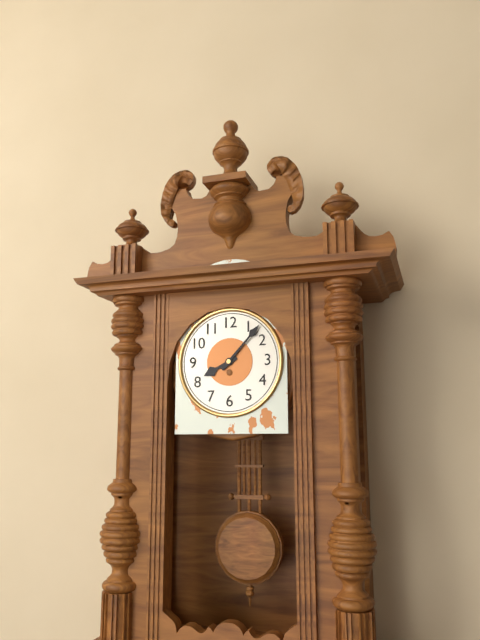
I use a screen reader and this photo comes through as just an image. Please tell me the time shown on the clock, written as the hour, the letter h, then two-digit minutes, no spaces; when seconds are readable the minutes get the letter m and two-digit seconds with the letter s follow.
8h07
